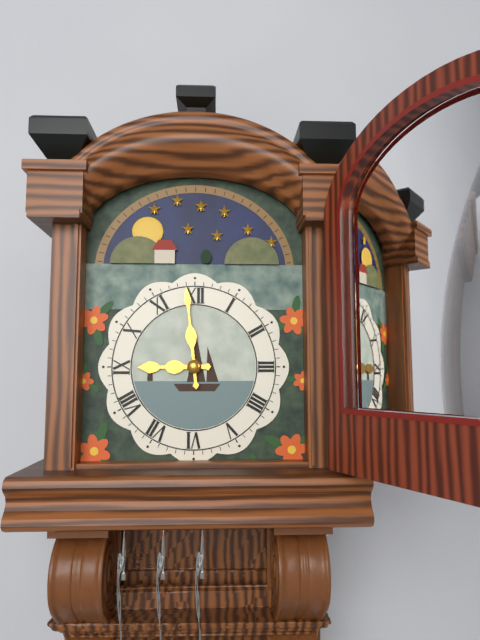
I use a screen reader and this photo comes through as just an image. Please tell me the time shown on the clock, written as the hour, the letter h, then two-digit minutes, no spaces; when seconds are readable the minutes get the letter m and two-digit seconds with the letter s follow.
8h59
